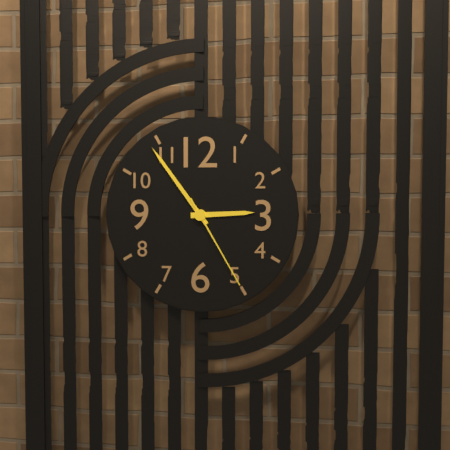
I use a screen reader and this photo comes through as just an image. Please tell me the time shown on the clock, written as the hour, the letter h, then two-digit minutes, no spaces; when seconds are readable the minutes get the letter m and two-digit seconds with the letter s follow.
2h54m25s
